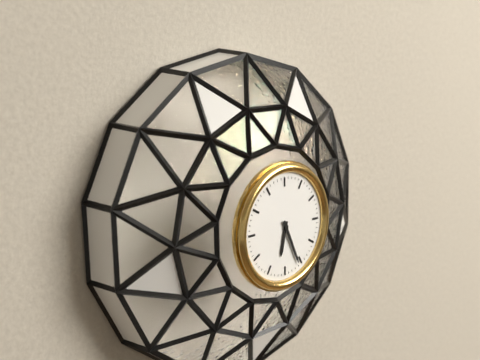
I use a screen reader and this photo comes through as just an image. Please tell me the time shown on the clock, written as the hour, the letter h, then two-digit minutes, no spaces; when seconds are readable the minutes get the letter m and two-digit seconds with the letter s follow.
6h26
